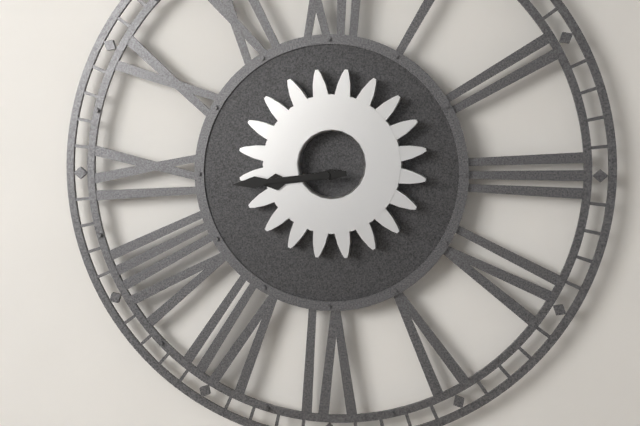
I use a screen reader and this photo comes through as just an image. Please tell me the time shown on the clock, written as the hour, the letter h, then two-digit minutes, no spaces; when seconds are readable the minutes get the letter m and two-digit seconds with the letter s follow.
8h44
